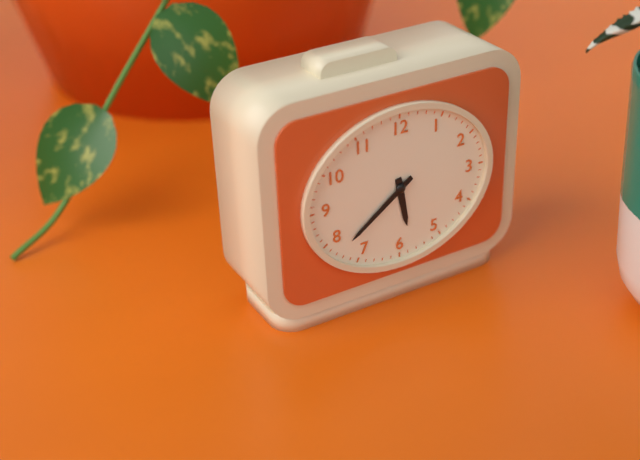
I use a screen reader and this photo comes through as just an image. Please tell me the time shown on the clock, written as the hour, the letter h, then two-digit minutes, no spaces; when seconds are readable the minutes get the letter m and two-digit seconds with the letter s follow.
5h39
